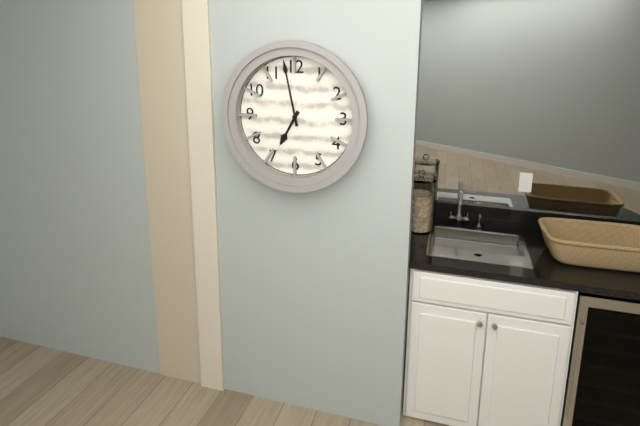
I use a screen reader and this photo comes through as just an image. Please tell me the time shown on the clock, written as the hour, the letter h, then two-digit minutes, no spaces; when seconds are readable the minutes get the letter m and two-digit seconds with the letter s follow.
6h58
